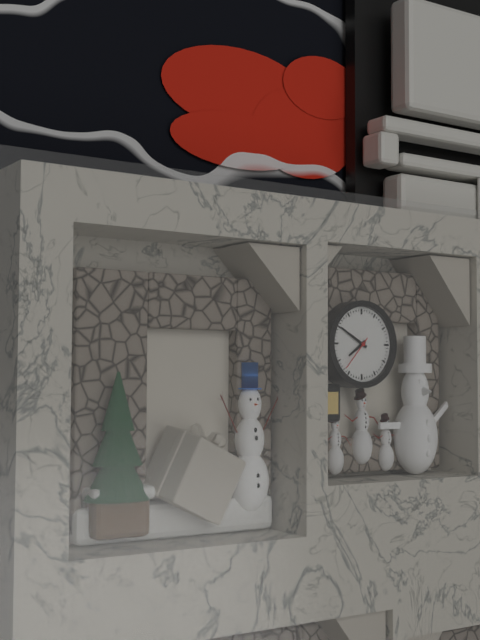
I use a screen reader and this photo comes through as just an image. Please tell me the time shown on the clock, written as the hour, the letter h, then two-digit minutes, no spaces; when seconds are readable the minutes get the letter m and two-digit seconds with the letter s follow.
7h50
